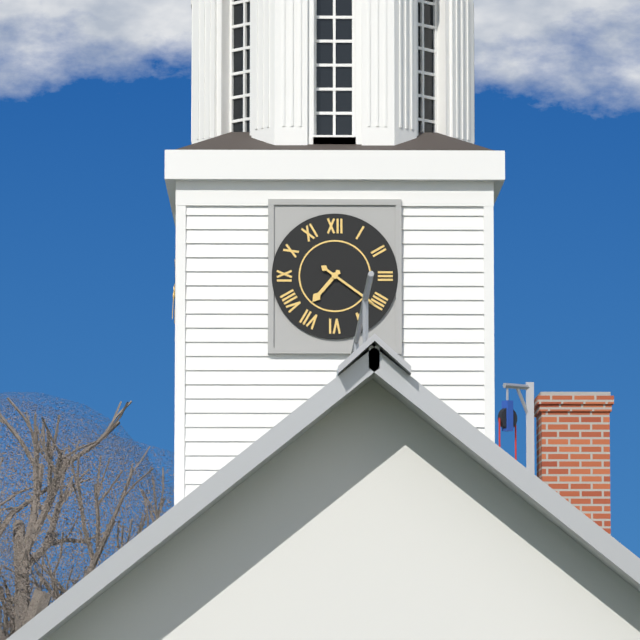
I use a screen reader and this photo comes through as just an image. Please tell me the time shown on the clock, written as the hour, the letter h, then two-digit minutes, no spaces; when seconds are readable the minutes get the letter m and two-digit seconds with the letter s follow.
7h21
